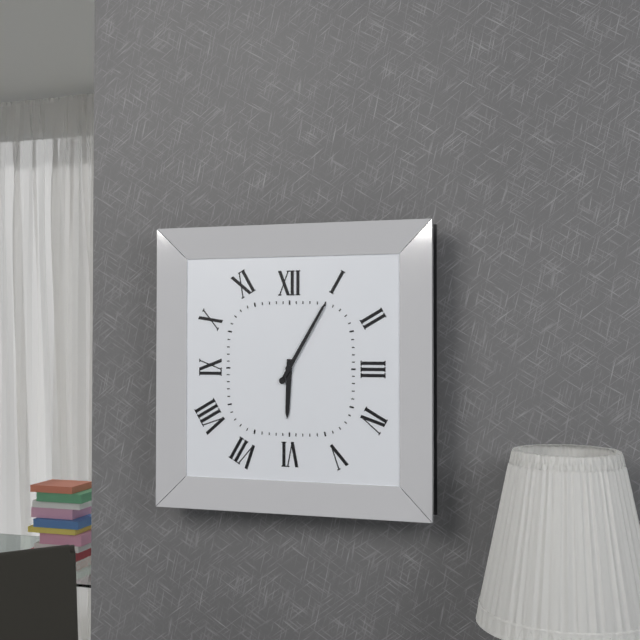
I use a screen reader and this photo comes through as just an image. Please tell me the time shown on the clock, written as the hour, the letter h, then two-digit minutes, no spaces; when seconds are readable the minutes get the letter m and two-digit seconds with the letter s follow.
6h05
